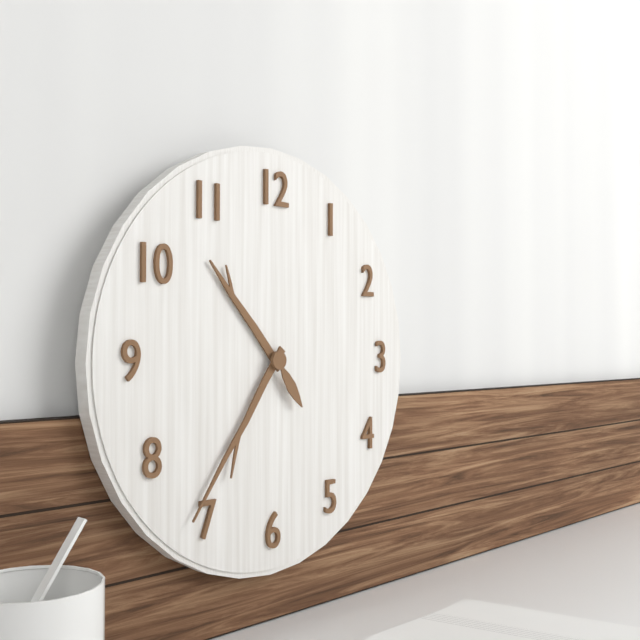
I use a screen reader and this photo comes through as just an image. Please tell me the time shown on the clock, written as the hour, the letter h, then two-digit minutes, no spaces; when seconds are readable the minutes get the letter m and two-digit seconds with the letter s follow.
10h36m24s
